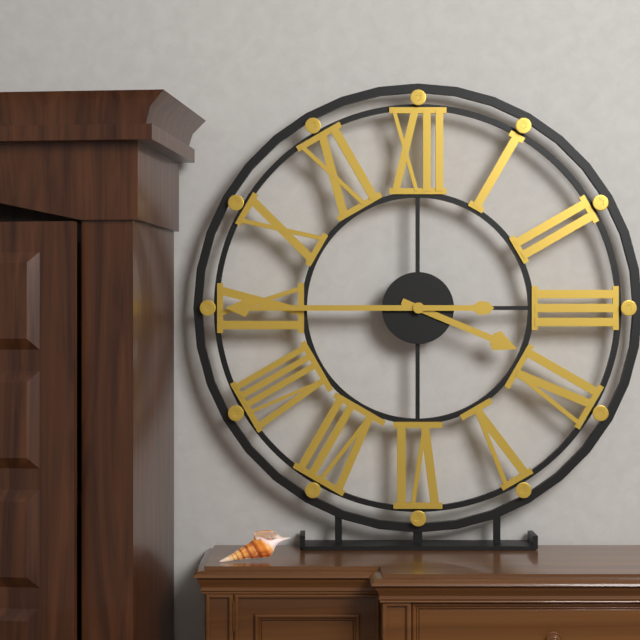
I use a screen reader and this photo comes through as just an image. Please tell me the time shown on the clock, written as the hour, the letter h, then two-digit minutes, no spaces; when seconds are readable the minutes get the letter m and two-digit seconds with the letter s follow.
3h45
